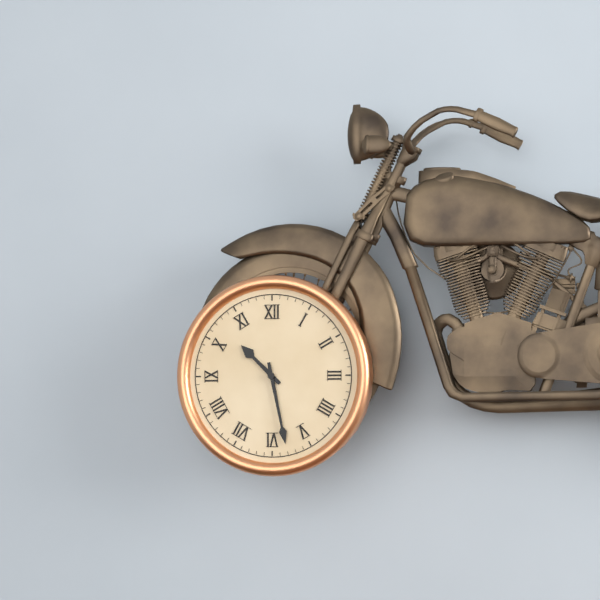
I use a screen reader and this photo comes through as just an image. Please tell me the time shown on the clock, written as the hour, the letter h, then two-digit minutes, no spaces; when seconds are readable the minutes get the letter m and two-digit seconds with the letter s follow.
10h28
